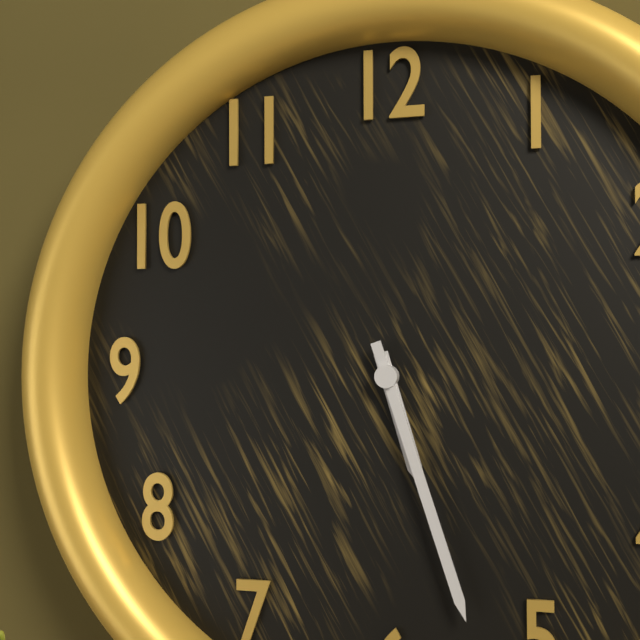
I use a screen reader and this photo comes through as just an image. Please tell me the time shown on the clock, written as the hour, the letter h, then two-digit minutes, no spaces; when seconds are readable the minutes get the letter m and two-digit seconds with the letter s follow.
5h27
